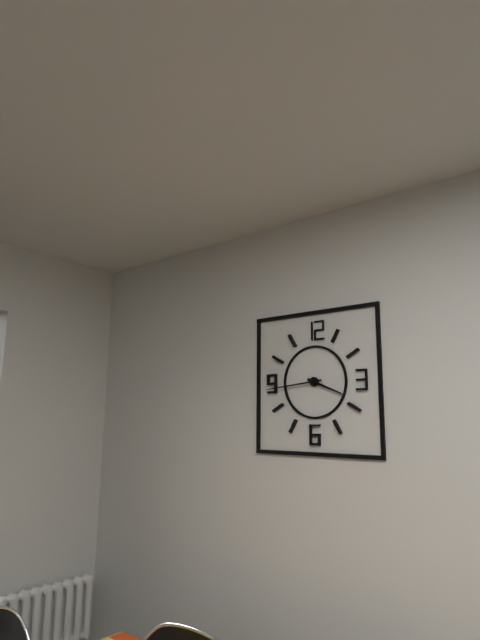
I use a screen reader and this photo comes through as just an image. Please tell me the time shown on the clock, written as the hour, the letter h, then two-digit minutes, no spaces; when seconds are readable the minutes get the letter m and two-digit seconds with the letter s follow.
3h44
